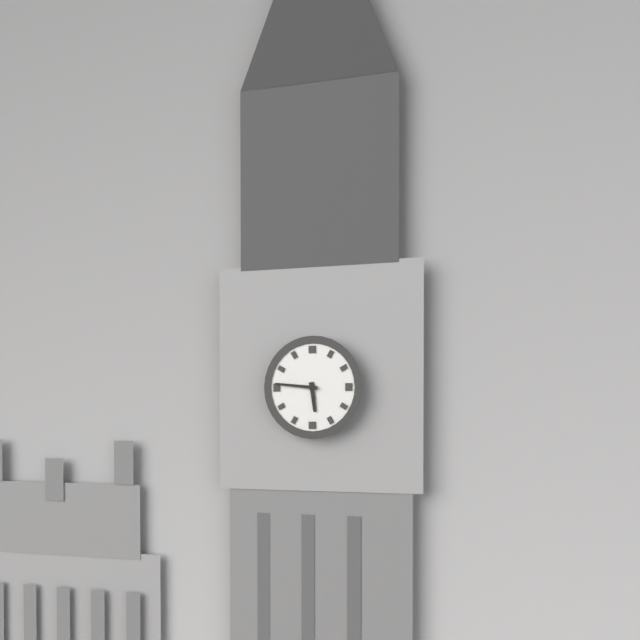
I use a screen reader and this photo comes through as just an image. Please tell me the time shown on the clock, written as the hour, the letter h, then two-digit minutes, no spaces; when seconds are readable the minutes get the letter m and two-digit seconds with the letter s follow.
5h46
